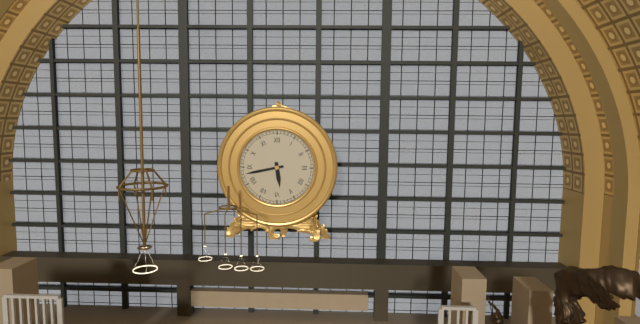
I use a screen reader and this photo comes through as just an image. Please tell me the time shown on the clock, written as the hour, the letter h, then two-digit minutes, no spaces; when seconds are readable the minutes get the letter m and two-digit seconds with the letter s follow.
5h43
